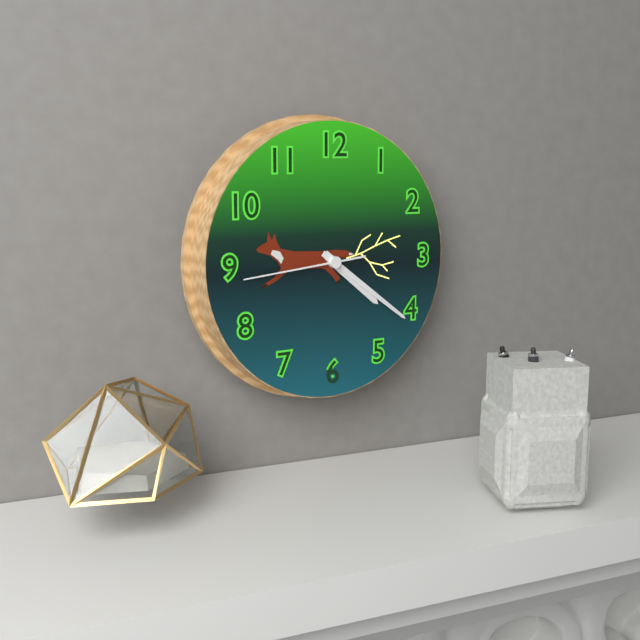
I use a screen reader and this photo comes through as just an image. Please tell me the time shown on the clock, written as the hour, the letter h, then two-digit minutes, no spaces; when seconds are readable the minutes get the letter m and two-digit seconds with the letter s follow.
4h21m44s
